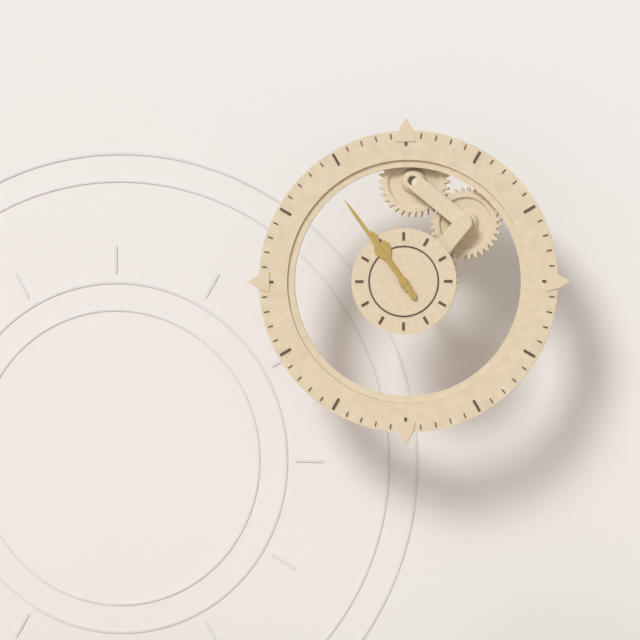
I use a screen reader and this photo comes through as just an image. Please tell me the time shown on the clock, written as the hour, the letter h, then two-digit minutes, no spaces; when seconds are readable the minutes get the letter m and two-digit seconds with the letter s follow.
10h54
